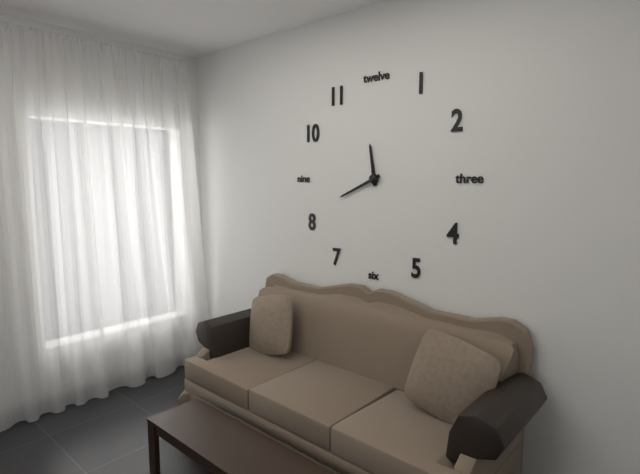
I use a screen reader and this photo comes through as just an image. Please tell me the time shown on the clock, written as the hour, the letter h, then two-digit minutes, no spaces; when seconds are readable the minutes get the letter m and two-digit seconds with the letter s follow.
11h41
